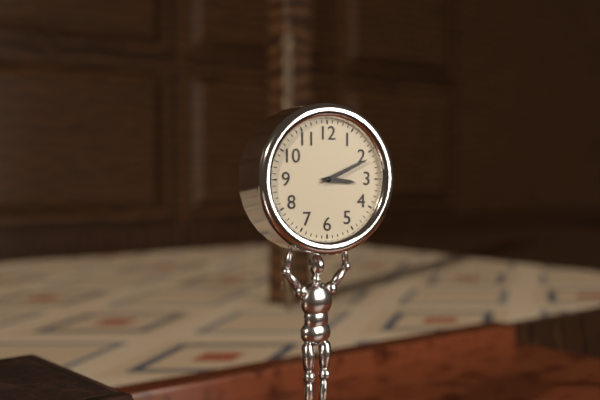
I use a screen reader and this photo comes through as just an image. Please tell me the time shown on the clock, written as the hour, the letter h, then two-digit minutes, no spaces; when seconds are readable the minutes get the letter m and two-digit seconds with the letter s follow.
3h11
